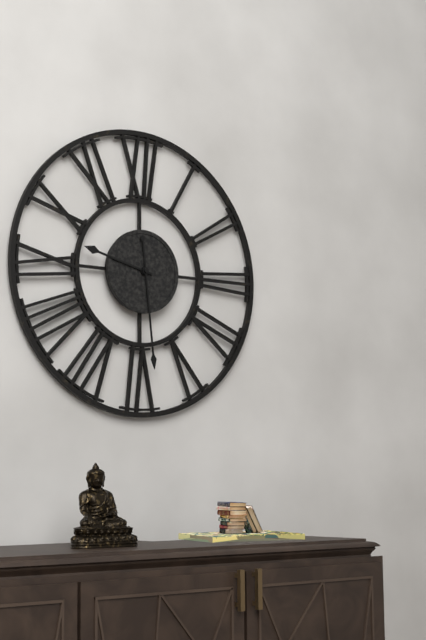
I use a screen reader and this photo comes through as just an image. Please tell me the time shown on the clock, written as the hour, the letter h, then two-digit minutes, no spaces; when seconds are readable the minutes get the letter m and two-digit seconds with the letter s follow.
9h29
